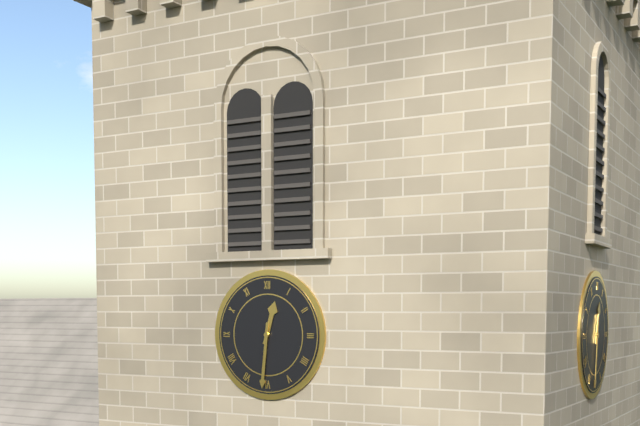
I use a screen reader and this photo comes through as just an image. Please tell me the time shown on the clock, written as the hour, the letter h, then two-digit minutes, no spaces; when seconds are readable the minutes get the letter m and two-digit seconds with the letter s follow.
12h31
